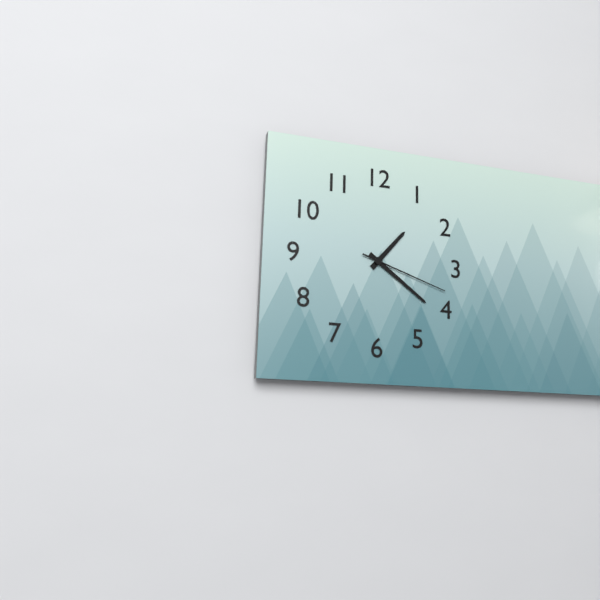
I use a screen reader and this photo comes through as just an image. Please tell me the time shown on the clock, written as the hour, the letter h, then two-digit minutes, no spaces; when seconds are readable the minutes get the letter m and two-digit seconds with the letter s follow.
1h21m18s
